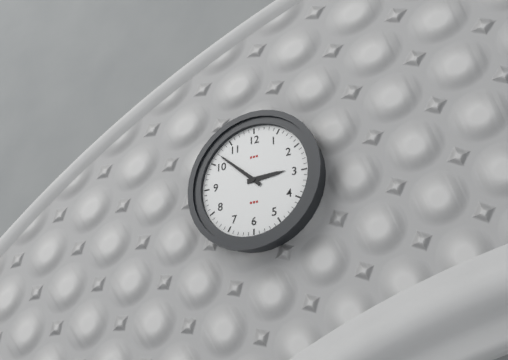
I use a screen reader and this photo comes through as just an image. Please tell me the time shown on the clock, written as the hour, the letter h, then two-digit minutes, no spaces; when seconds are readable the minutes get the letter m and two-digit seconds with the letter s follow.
2h52
